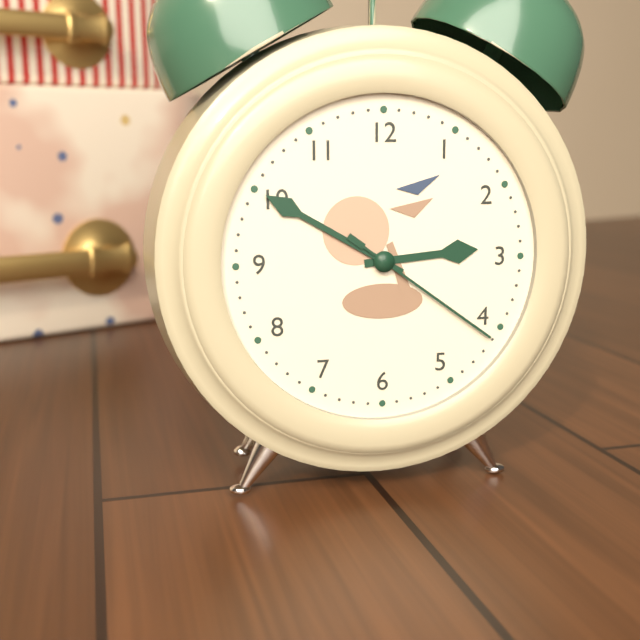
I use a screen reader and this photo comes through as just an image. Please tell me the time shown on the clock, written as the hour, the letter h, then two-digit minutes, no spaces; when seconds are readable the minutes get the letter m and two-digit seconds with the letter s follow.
2h50m21s
